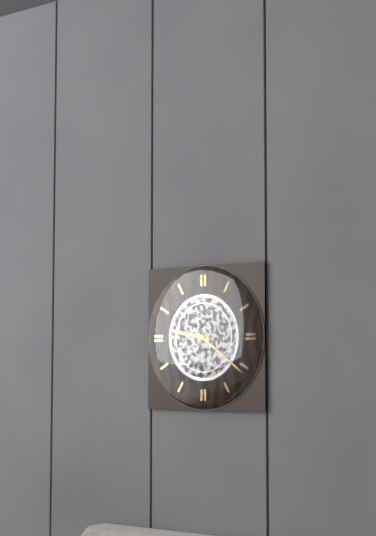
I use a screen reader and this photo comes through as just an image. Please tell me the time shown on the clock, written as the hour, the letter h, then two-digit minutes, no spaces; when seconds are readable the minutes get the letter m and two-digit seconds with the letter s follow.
9h21
